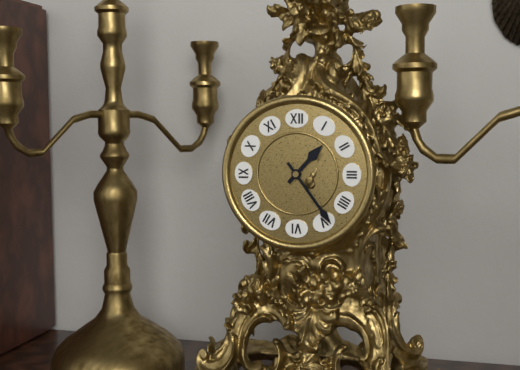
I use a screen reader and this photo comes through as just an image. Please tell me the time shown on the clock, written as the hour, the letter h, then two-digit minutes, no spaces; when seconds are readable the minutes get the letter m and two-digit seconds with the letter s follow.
1h24
